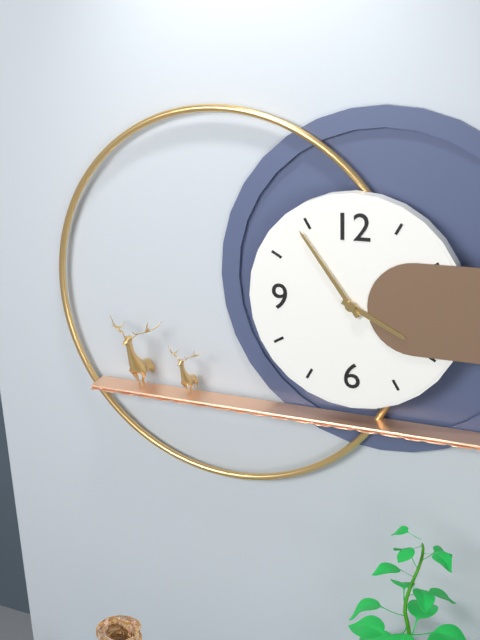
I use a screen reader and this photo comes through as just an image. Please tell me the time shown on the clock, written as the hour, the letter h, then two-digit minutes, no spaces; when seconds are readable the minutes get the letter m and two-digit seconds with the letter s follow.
3h54
